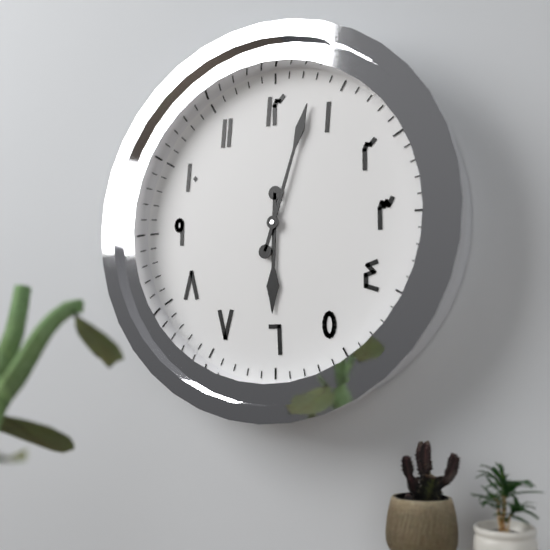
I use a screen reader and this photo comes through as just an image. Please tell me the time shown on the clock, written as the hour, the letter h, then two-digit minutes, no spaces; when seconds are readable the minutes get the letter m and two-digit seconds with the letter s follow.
6h03
